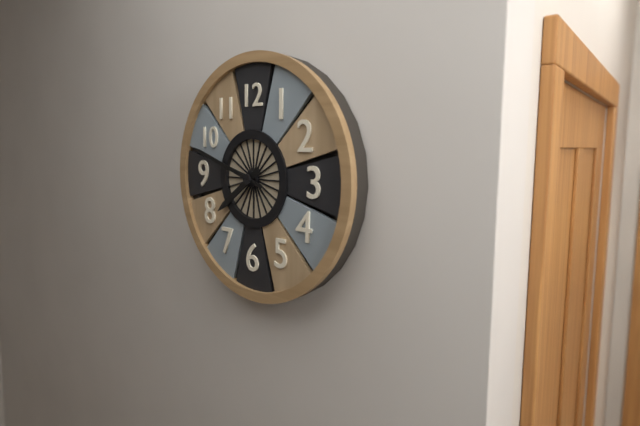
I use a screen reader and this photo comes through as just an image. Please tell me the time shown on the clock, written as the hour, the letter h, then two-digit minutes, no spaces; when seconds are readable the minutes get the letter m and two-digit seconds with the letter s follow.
7h48
